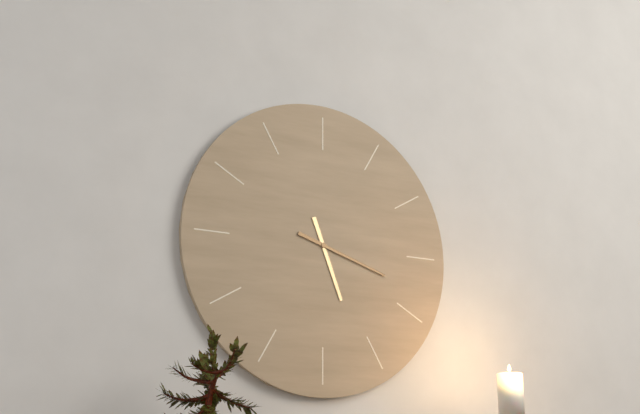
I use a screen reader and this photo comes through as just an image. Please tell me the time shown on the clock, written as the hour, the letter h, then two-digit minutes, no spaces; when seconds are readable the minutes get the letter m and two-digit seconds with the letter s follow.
5h18
